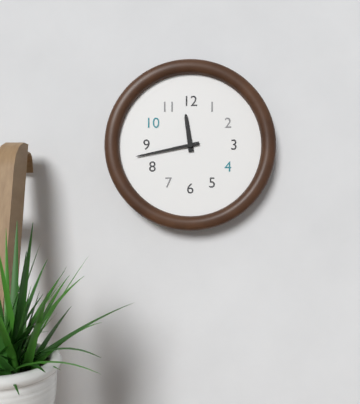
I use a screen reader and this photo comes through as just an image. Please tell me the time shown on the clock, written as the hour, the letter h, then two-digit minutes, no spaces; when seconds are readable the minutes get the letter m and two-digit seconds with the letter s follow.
11h43
